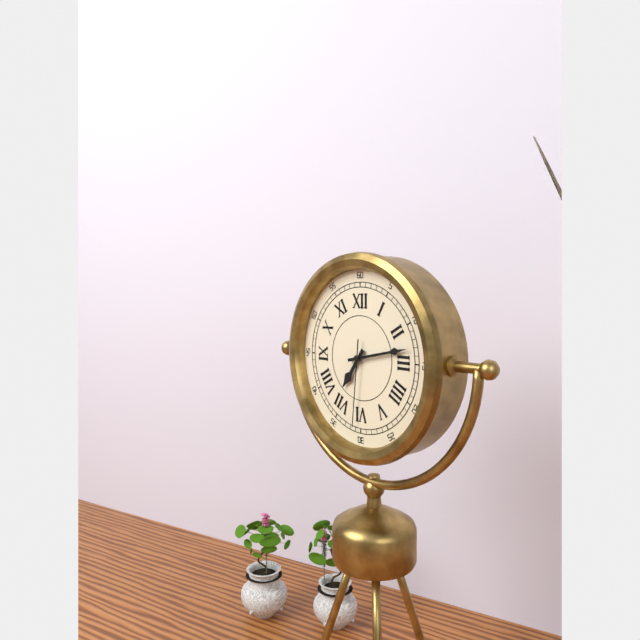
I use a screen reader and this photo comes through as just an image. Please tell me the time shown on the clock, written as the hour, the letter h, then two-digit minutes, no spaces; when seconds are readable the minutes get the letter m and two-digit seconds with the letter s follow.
7h13m31s
